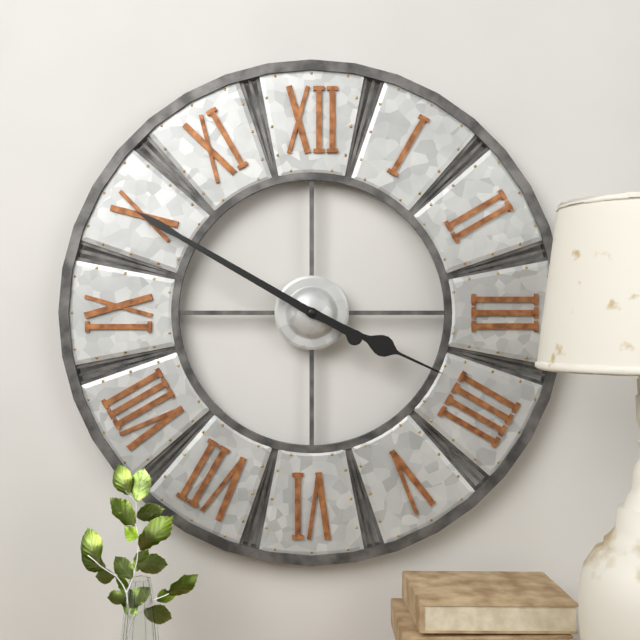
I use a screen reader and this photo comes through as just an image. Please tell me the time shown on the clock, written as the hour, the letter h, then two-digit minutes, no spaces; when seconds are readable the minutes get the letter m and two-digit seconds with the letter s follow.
3h50
